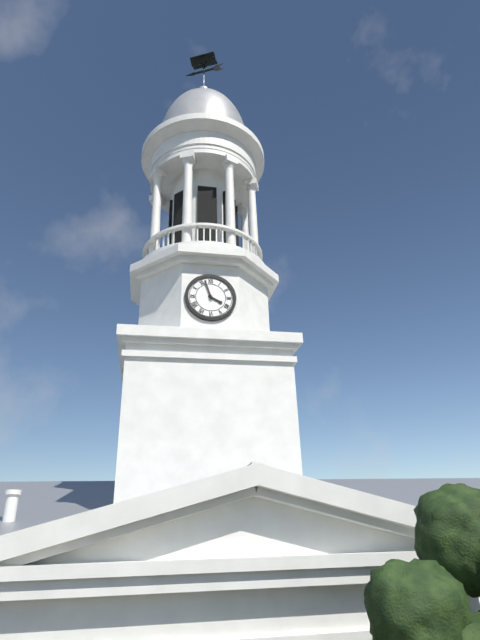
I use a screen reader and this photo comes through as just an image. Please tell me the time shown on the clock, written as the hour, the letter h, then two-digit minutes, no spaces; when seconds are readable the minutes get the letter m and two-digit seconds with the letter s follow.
3h57
